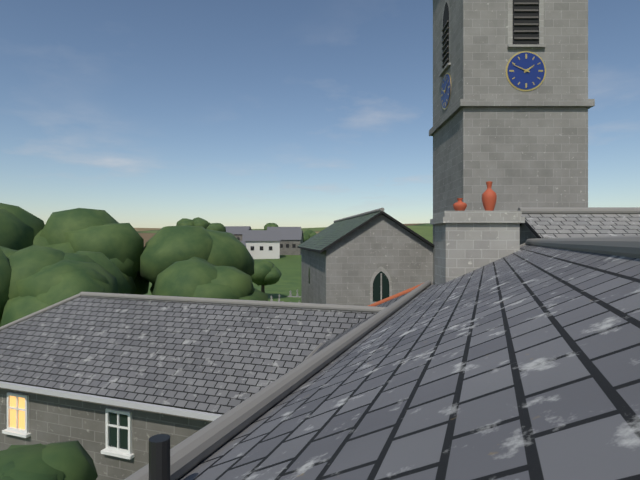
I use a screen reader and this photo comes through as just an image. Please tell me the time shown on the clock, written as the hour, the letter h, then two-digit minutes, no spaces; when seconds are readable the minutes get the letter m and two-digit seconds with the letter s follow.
1h49
